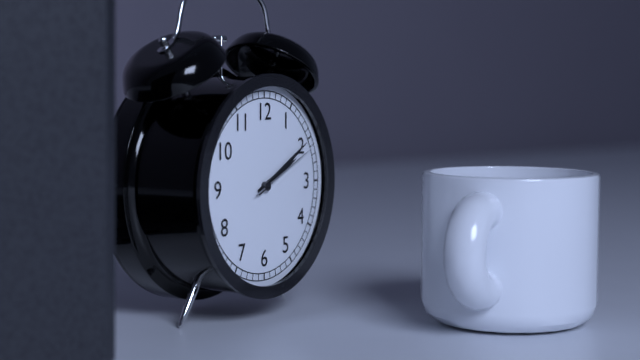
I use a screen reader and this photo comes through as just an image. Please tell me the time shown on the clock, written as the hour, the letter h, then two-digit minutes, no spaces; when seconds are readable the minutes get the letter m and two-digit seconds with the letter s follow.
2h10m11s
